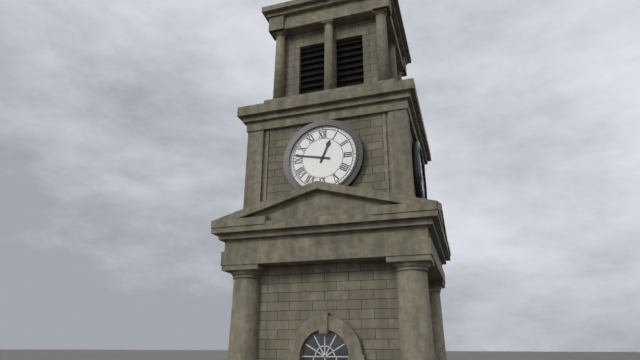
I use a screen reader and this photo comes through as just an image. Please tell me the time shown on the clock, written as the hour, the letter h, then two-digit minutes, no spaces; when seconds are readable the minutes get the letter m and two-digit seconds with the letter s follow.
12h47
